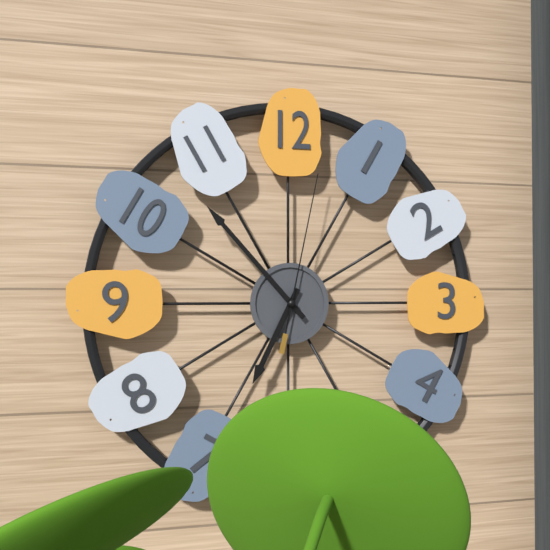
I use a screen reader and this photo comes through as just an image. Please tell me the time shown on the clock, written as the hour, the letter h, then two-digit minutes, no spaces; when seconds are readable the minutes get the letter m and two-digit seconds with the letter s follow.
6h53m02s
